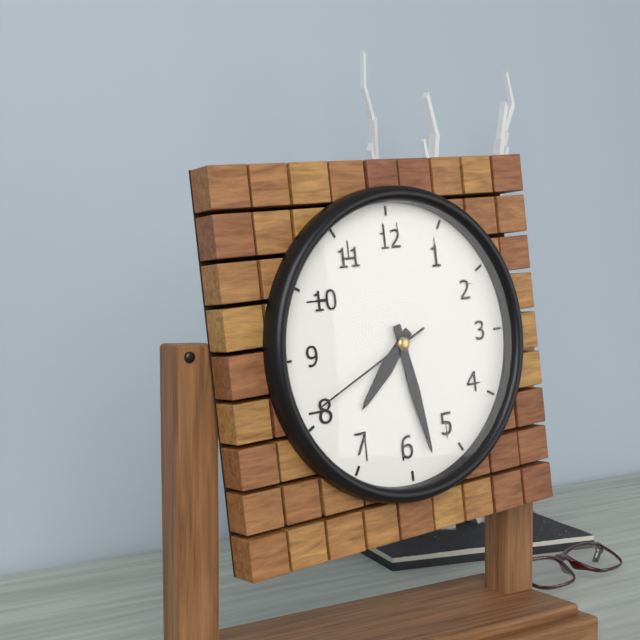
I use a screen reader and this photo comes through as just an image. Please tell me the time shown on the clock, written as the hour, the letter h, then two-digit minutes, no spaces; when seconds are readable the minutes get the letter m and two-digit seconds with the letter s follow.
7h28m41s
